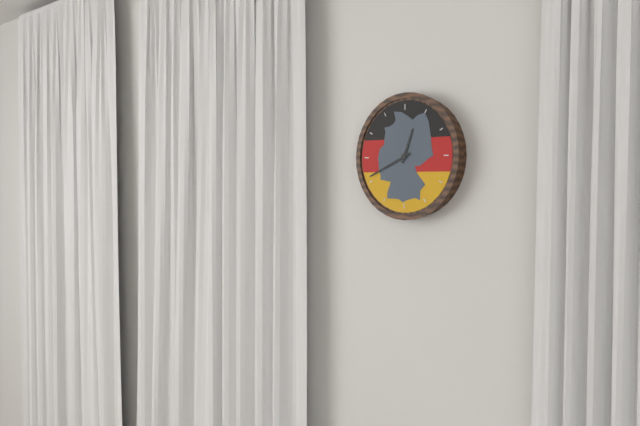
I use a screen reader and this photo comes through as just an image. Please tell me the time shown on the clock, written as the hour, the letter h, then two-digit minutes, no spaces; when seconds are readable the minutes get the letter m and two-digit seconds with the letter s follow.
12h41
